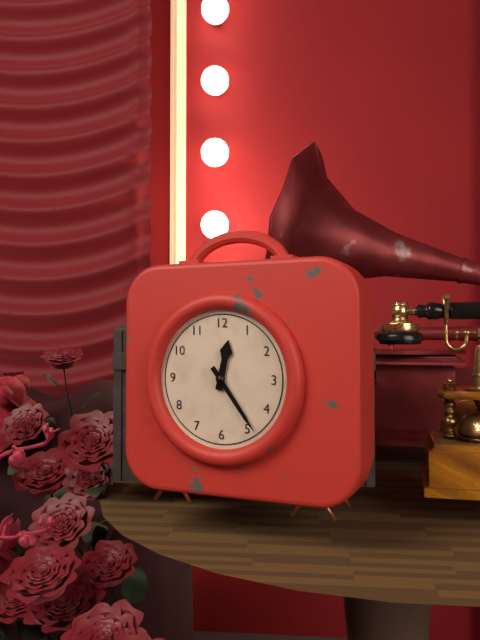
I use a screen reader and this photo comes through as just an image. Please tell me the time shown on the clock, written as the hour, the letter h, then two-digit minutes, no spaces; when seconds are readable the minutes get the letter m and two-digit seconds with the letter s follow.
12h24
